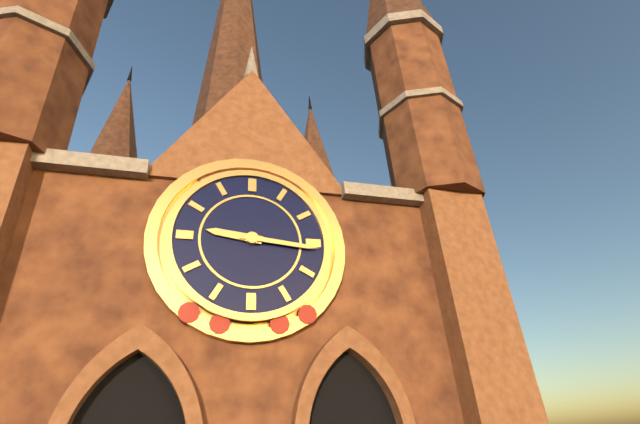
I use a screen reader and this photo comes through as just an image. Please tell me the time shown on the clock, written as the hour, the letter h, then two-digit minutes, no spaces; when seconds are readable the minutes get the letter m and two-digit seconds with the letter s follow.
9h16
